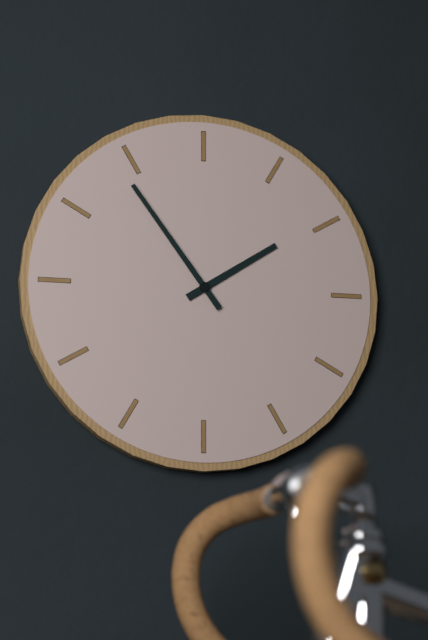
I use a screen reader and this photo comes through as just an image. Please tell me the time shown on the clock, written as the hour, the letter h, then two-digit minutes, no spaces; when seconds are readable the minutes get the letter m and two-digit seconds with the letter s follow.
1h54
